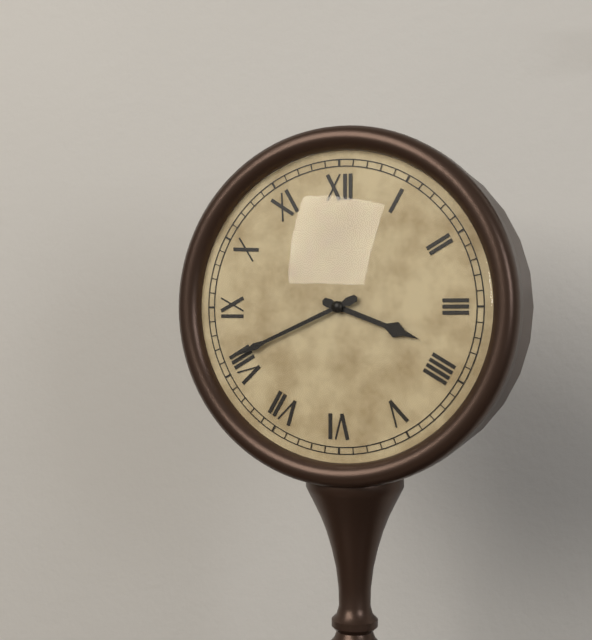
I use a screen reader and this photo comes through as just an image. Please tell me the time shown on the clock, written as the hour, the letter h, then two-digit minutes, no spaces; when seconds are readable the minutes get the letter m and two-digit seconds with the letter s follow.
3h41
